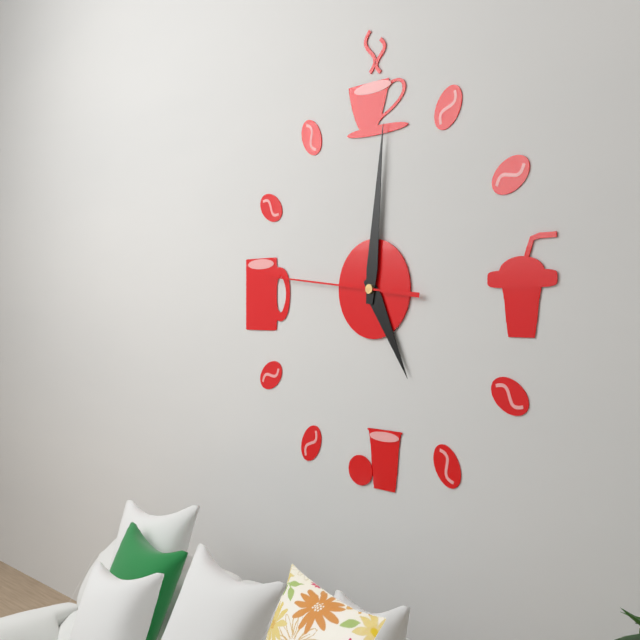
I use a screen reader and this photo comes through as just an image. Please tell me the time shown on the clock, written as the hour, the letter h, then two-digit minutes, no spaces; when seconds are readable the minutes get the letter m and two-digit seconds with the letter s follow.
5h01m46s
